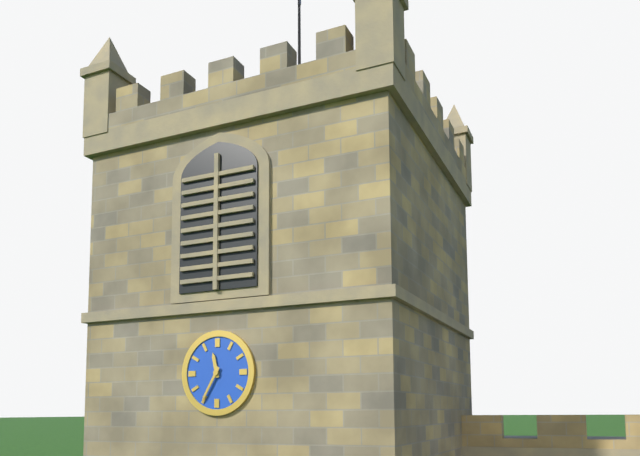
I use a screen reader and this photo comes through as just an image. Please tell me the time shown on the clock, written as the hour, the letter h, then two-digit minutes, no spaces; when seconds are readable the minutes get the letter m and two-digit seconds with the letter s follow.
11h35
